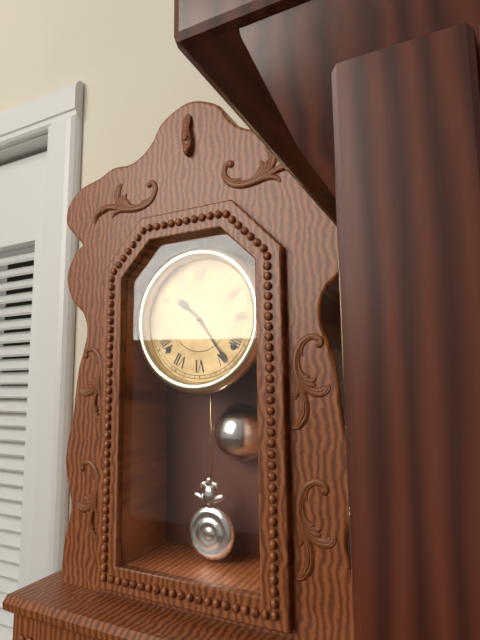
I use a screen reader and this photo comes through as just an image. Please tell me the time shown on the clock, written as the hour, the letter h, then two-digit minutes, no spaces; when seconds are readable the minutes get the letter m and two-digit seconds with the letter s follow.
10h24
